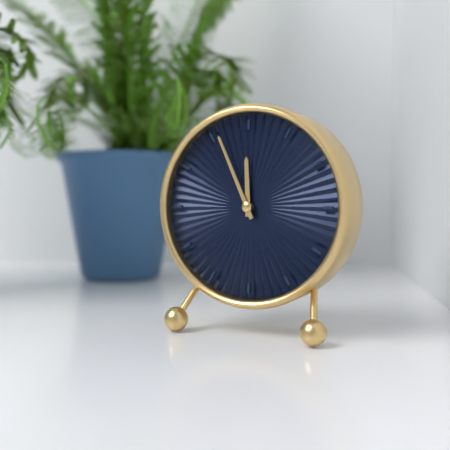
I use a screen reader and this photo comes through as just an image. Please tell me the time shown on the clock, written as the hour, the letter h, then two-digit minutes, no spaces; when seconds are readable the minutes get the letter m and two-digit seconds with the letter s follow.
11h56
